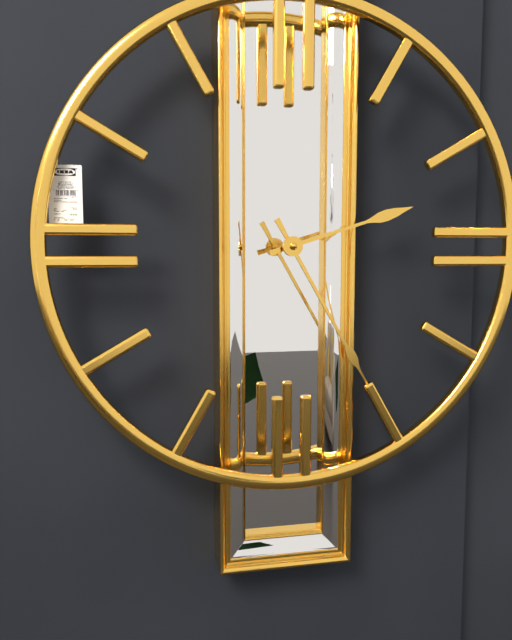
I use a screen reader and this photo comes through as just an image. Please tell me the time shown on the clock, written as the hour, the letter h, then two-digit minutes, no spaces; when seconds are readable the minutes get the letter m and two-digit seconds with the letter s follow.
2h25
